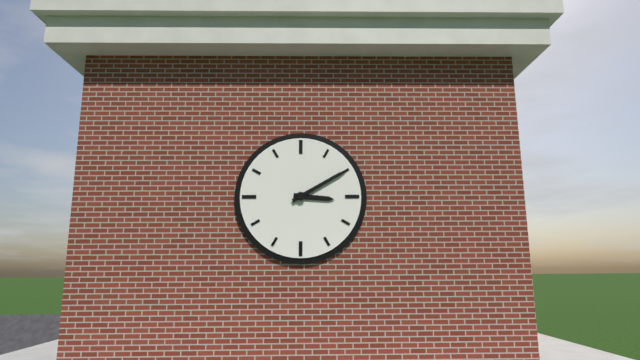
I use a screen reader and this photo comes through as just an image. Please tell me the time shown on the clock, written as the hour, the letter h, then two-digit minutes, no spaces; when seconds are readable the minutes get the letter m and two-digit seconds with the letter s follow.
3h10
